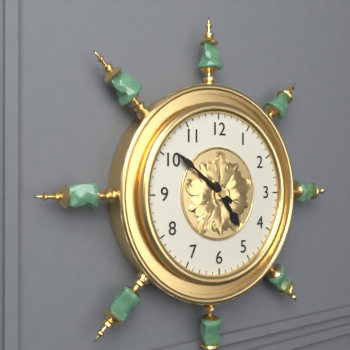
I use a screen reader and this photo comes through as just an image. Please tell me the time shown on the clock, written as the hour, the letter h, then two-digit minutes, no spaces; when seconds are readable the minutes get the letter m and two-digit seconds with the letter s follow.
4h51
